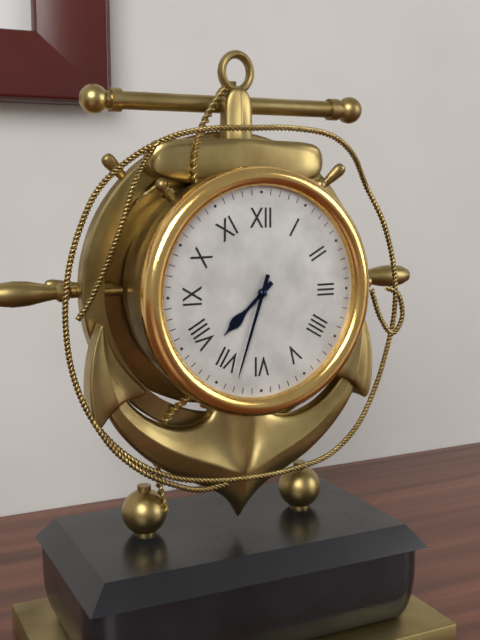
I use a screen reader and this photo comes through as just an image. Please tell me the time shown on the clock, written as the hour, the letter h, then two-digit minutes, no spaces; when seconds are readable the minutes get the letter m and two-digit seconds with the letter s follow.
7h33
